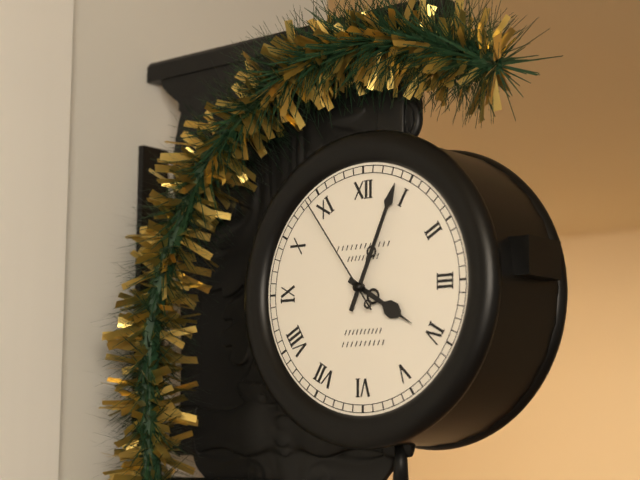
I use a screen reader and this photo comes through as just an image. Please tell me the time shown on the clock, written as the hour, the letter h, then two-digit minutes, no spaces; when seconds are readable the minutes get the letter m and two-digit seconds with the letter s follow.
4h04m54s
